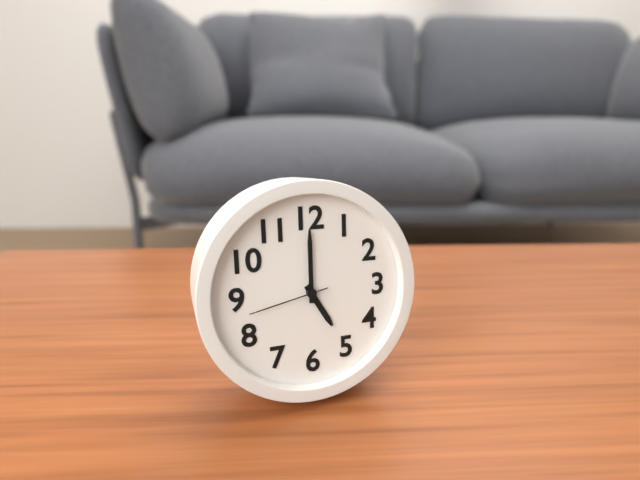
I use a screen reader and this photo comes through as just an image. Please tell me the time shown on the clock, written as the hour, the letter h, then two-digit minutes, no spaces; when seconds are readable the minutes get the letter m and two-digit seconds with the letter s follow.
5h00m43s
